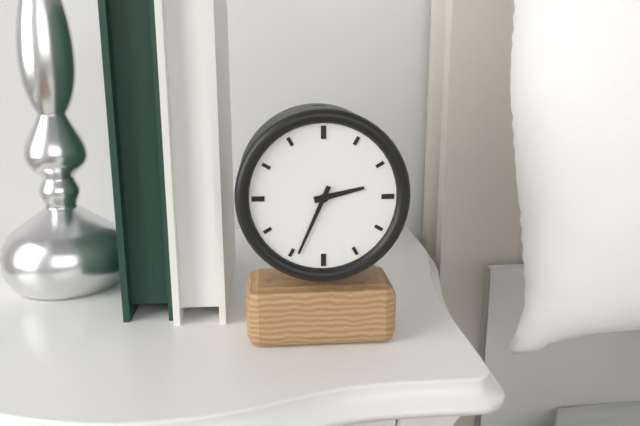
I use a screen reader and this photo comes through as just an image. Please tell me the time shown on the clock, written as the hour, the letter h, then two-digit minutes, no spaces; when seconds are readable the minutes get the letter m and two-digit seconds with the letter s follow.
2h34
